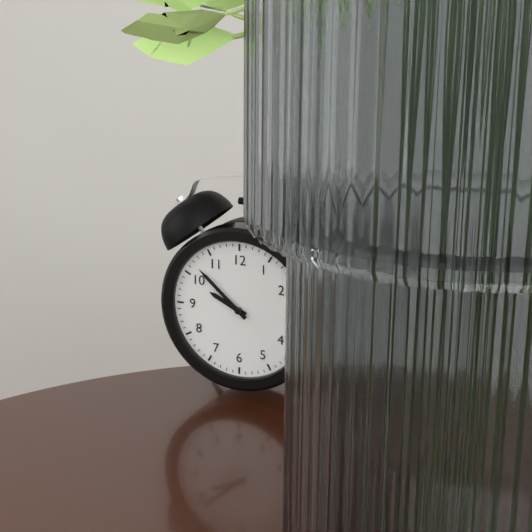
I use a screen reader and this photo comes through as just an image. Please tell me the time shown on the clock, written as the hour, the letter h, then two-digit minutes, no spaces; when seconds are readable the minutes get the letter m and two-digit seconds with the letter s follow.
9h52
